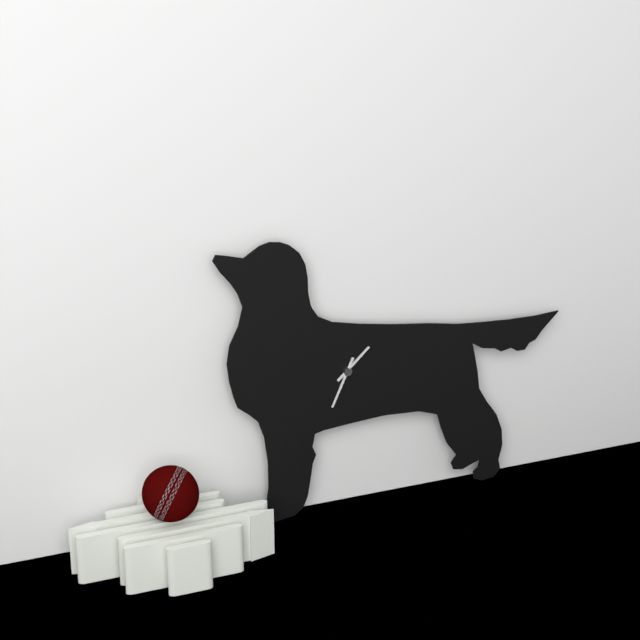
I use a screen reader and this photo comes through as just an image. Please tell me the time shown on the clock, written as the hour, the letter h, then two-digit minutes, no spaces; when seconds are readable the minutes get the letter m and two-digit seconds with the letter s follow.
1h34
